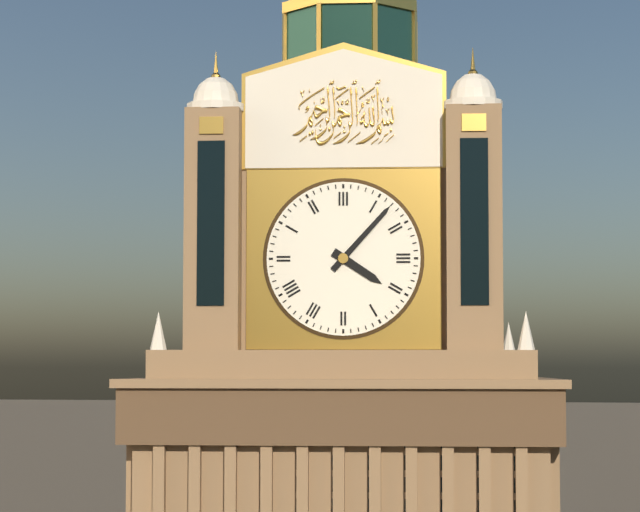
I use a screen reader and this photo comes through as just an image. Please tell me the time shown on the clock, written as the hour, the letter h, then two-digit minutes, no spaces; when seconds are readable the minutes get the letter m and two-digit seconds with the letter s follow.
4h07
